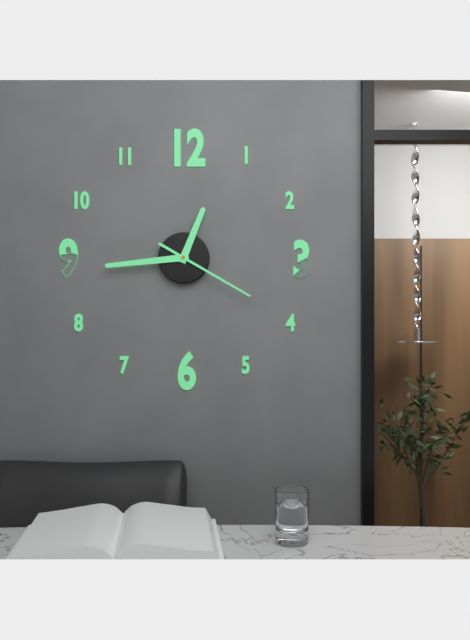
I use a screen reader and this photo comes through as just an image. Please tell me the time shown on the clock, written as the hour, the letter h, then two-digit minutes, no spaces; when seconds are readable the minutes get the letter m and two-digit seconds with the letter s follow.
12h44m20s
